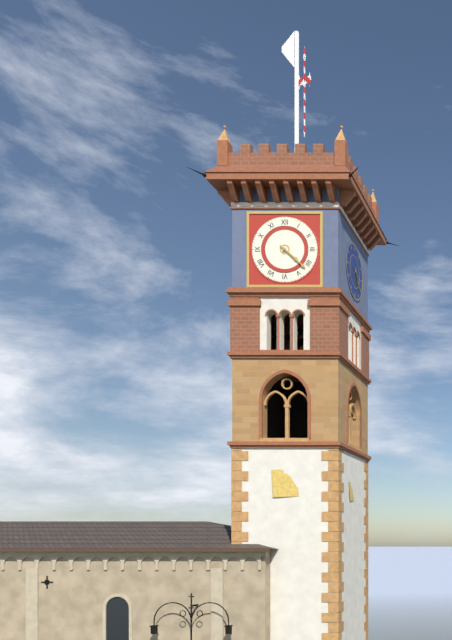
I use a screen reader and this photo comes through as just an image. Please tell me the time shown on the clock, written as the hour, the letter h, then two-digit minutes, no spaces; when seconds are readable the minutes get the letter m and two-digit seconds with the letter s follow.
4h22
